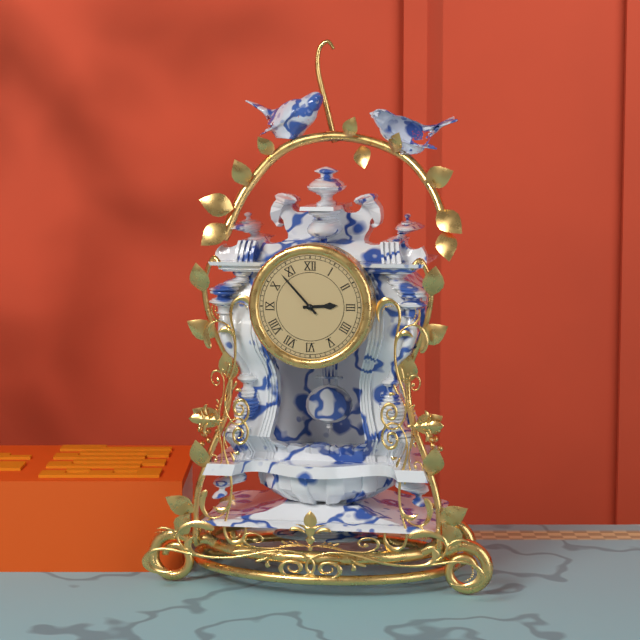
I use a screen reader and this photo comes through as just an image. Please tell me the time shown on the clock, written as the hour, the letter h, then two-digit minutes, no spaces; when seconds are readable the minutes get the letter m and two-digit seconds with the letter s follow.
2h53
